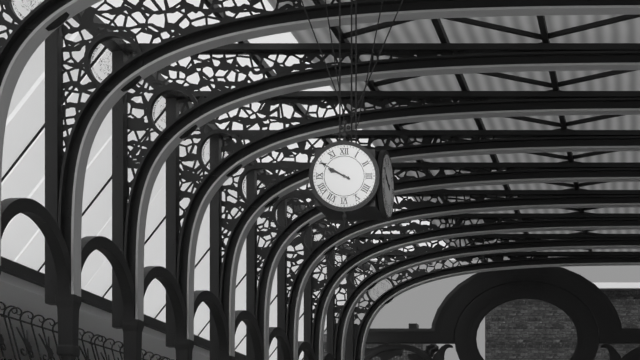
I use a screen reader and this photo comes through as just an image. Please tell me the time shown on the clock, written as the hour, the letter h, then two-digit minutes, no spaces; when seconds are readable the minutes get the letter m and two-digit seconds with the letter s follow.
9h50
